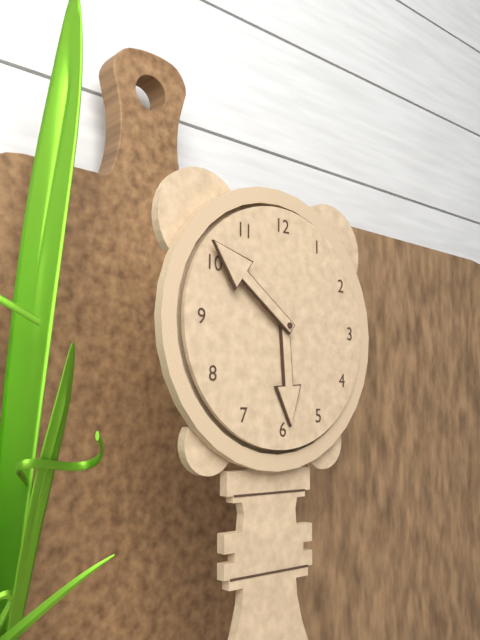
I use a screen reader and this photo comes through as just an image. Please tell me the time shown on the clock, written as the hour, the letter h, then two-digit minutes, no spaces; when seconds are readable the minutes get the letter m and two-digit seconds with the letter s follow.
5h51
